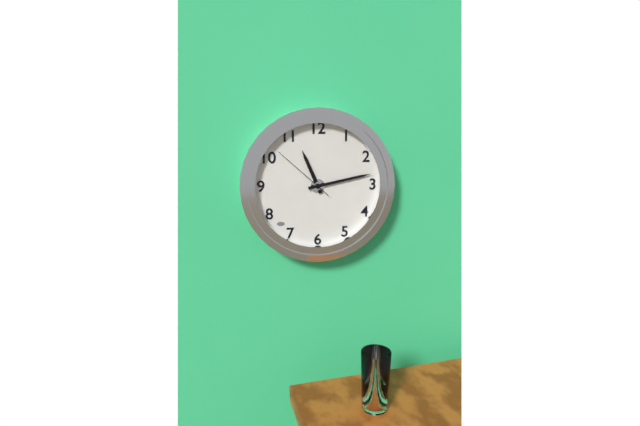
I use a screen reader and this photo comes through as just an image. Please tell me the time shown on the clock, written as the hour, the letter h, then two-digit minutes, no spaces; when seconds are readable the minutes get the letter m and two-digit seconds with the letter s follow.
11h13m52s
